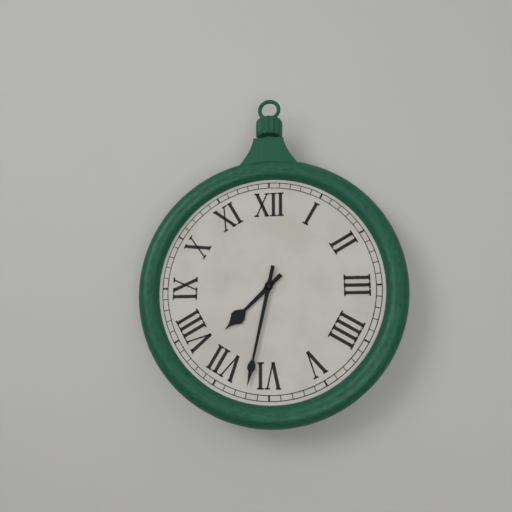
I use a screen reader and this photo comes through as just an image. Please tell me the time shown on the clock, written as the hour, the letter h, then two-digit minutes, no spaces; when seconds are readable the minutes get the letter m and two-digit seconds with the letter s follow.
7h32
